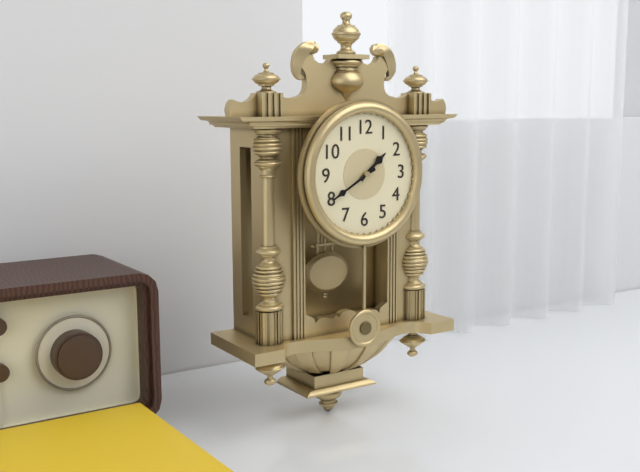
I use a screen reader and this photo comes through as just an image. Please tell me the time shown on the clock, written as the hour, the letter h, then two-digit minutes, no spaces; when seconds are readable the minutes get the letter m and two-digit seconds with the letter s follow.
1h40
